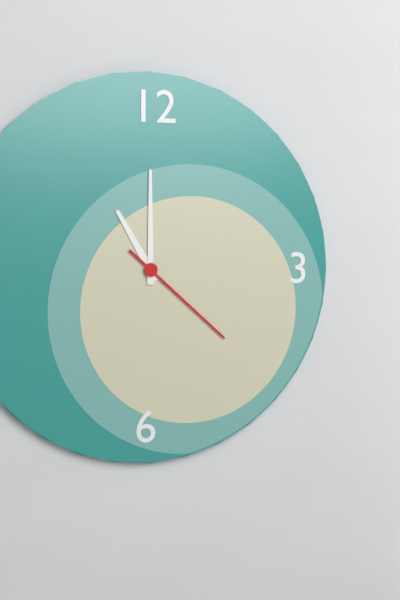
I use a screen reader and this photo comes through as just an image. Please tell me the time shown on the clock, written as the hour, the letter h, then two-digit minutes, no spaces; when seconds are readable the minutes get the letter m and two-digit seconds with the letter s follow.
11h00m22s
